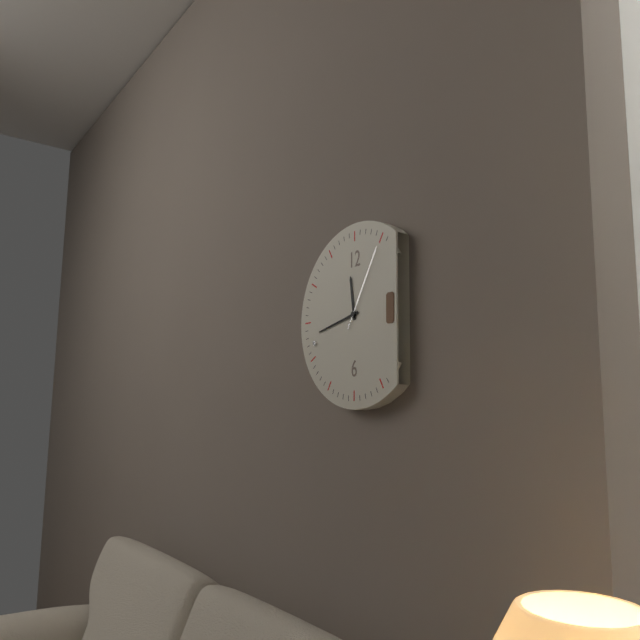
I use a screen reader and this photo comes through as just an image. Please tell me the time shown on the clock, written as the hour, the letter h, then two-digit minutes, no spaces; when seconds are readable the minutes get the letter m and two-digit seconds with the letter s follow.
11h43m05s
